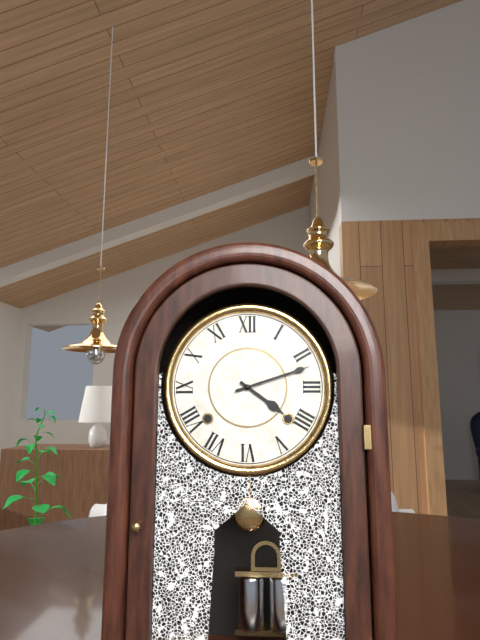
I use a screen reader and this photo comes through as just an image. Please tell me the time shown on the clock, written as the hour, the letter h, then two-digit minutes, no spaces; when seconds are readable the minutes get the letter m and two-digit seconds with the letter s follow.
4h12
